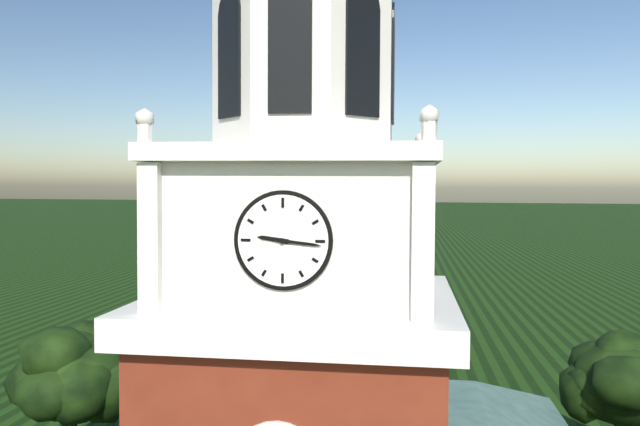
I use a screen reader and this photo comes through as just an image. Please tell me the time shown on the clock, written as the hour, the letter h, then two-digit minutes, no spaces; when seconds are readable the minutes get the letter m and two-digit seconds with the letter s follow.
9h16
